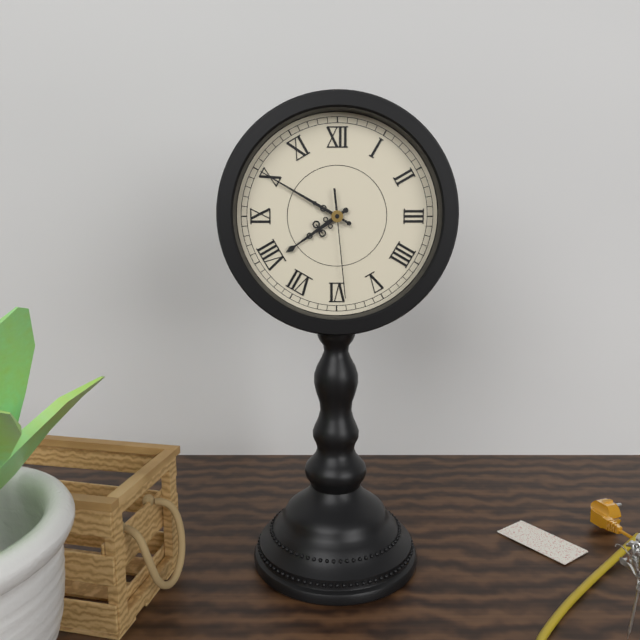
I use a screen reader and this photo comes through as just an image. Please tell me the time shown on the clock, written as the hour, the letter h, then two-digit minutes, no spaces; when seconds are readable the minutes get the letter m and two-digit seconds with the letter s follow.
7h50m29s
